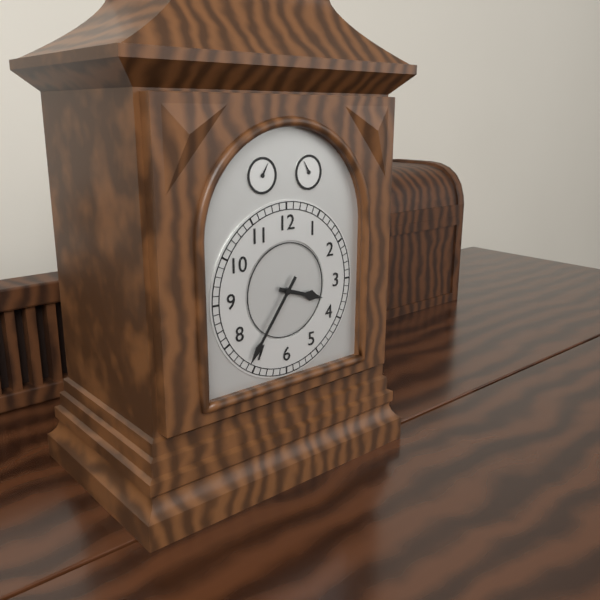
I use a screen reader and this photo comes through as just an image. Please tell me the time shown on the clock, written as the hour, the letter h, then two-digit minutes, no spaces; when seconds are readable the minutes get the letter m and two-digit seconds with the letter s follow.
3h36
